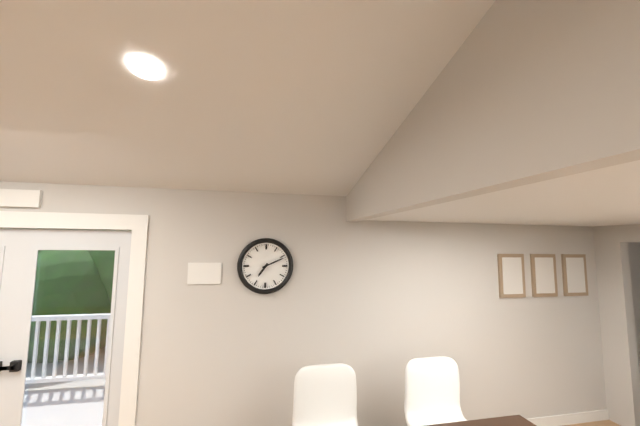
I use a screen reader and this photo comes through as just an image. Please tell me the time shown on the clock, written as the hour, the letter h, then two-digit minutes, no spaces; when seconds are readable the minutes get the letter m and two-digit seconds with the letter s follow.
7h11
